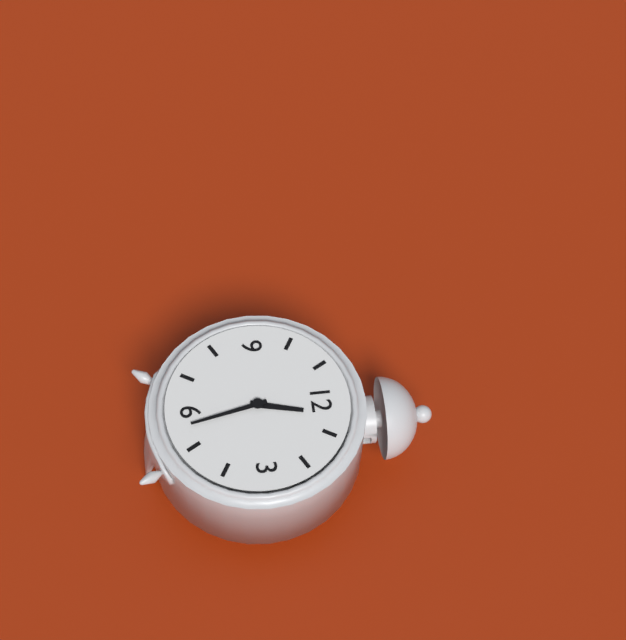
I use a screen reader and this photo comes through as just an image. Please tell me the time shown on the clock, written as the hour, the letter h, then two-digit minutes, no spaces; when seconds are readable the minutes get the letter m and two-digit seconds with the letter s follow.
12h28
